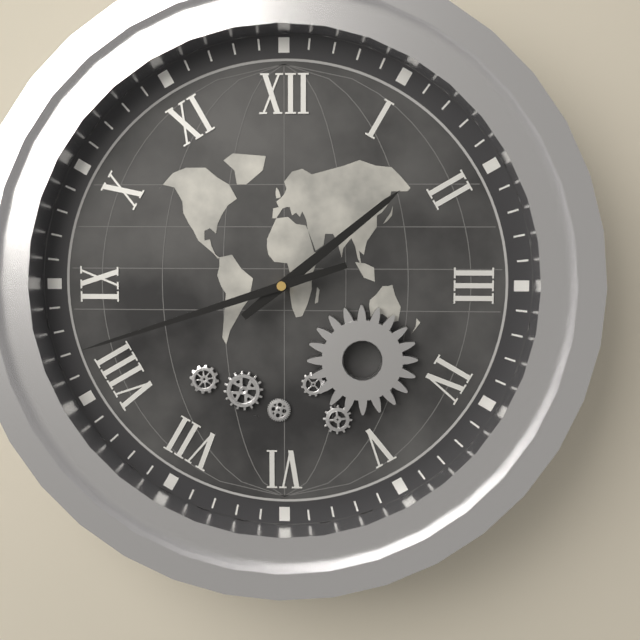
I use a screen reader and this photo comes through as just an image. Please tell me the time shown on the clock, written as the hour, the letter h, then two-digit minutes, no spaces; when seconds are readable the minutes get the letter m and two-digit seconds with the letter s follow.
1h42
